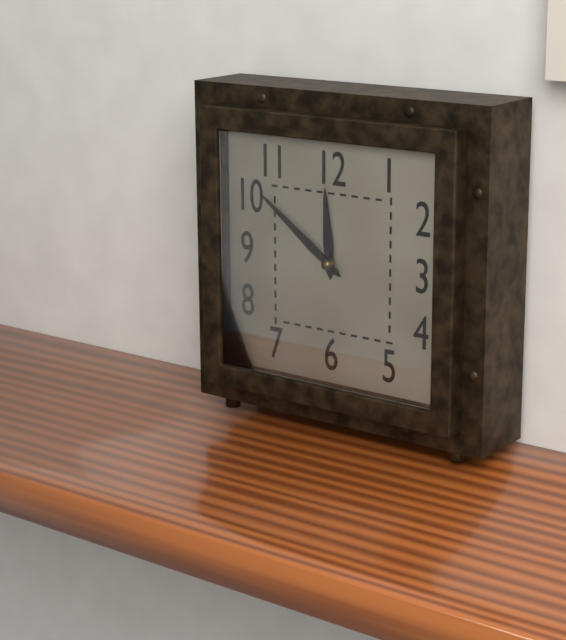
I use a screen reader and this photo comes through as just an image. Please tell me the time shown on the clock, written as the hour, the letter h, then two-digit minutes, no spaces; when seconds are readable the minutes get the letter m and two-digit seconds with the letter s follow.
11h51
